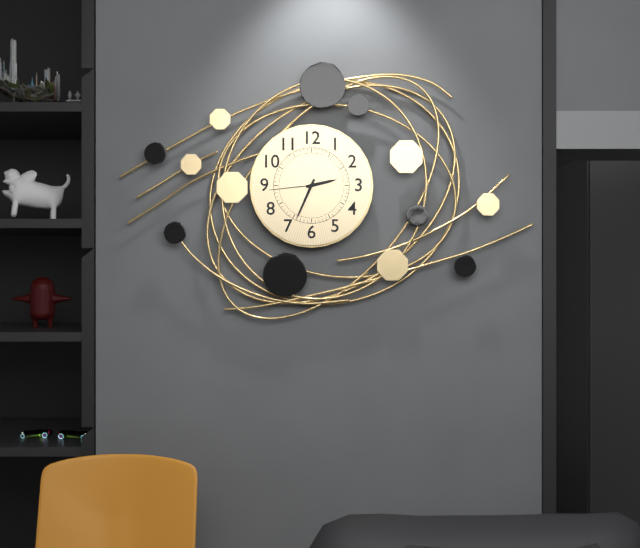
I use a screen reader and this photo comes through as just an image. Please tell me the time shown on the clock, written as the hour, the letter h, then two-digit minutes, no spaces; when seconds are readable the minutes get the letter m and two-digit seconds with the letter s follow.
2h34m44s
